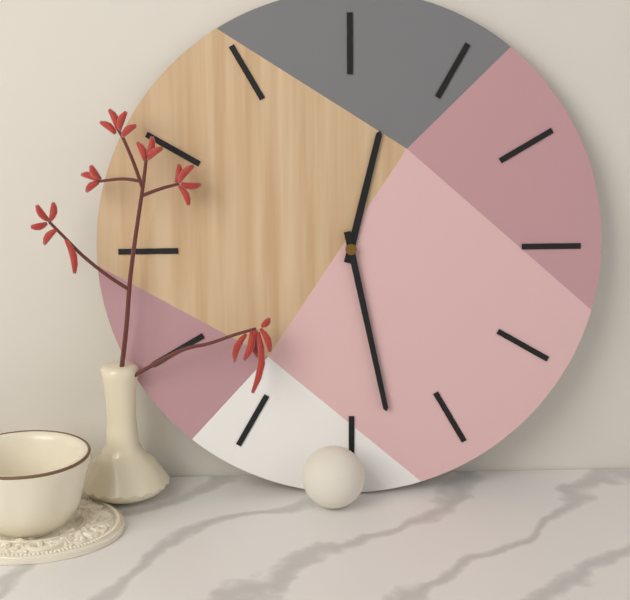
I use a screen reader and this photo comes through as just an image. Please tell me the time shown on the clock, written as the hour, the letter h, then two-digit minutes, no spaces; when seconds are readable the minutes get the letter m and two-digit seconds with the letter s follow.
12h28
